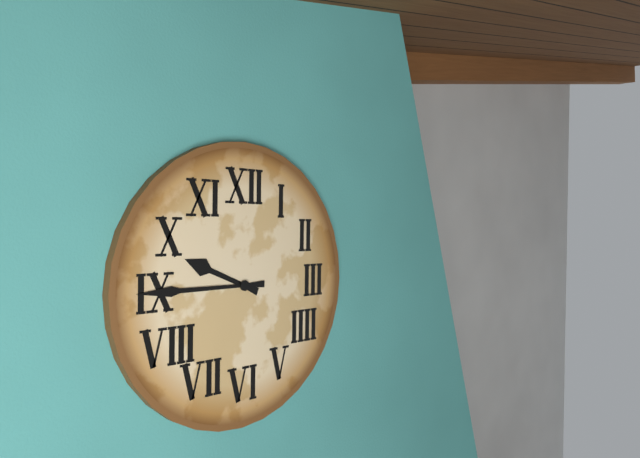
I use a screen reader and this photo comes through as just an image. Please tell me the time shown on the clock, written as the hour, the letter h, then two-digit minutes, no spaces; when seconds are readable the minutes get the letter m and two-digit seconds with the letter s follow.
9h45
